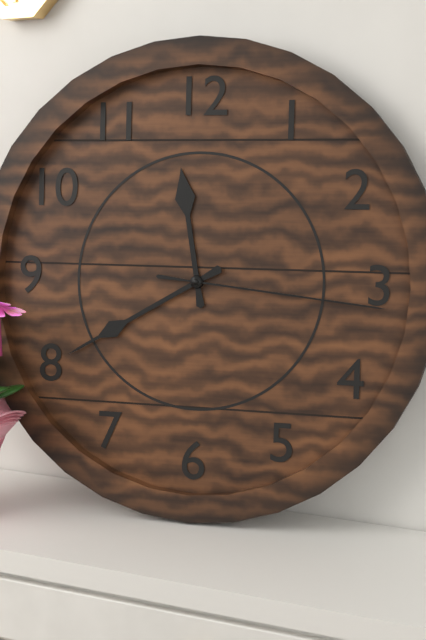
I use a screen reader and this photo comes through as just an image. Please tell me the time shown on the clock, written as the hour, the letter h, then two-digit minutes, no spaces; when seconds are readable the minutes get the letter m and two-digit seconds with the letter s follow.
11h40m16s
